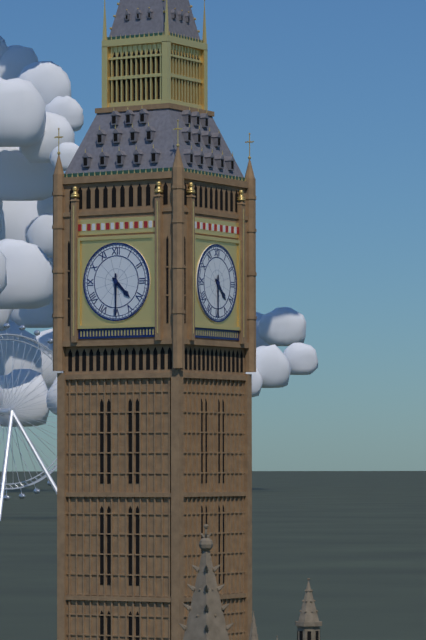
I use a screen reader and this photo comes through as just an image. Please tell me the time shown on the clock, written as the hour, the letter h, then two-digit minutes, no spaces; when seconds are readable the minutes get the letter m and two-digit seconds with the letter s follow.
4h30
